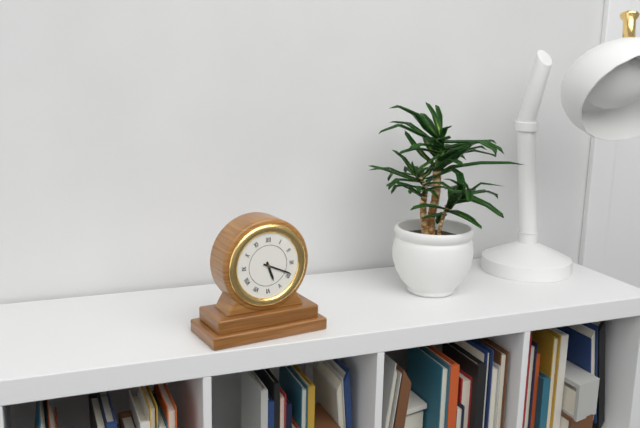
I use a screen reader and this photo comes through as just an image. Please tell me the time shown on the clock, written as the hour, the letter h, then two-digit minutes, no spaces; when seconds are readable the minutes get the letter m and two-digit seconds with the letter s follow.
5h19
